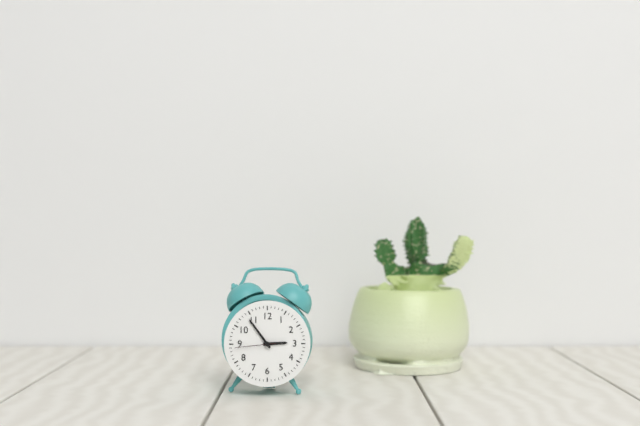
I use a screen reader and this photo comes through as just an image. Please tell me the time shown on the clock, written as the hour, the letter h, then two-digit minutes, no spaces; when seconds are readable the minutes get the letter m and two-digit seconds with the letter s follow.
2h54
